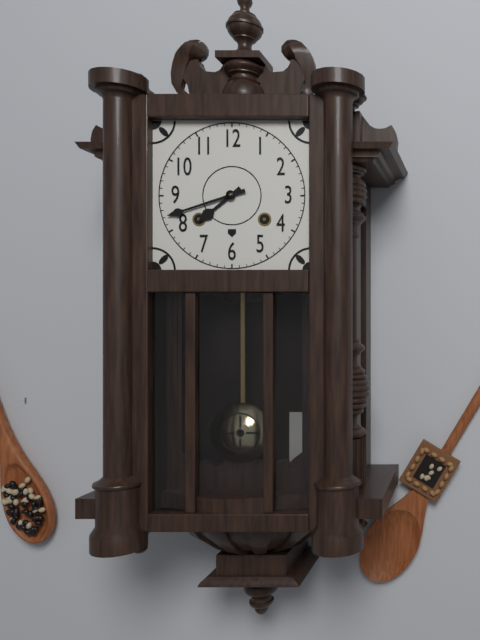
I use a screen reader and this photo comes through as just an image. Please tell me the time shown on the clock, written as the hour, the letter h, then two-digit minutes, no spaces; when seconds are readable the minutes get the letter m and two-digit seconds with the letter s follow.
7h42
